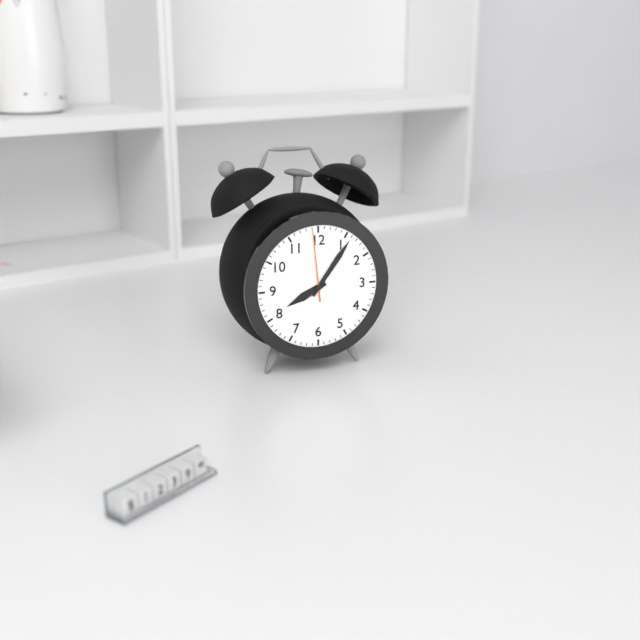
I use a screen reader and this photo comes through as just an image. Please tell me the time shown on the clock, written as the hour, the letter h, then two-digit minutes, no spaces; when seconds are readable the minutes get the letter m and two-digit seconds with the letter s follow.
8h06m59s
